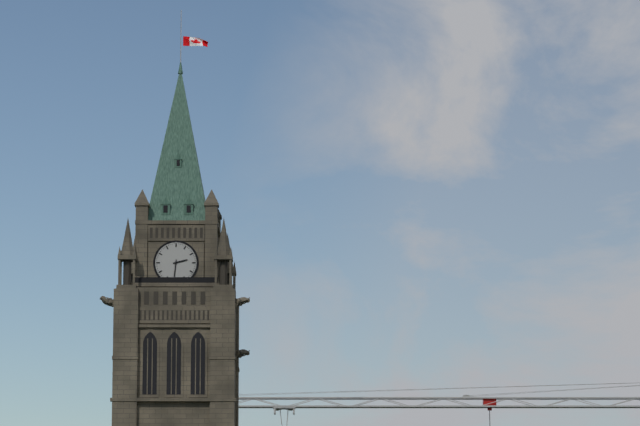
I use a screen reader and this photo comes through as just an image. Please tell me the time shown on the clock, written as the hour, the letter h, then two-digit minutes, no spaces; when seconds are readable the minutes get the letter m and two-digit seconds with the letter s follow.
2h31
